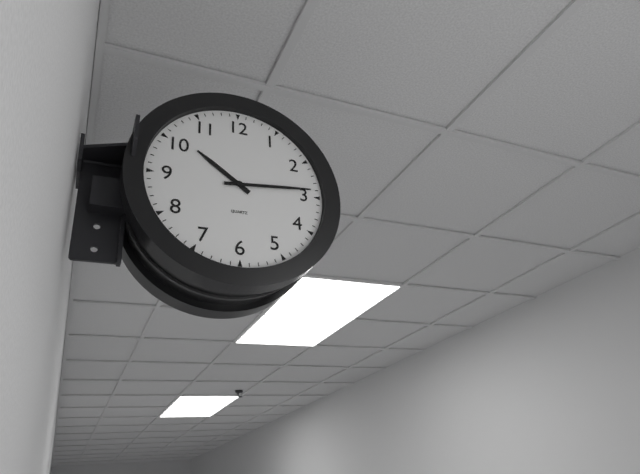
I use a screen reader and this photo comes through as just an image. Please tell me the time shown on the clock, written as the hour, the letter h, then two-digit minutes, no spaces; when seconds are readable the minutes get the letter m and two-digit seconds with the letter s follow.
10h14
